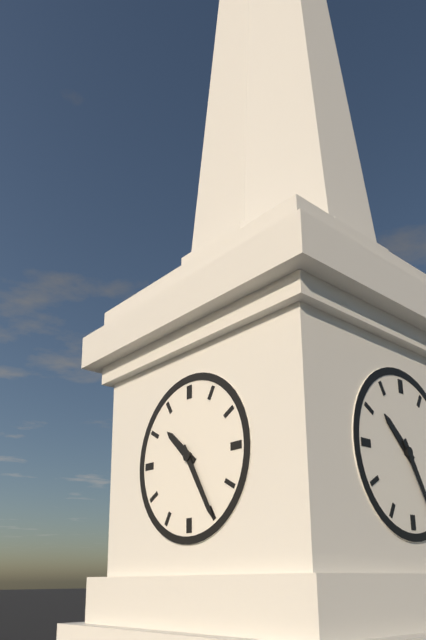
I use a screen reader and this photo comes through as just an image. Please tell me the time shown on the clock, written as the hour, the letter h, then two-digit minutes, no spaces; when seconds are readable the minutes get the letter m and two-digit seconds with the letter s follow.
10h25
